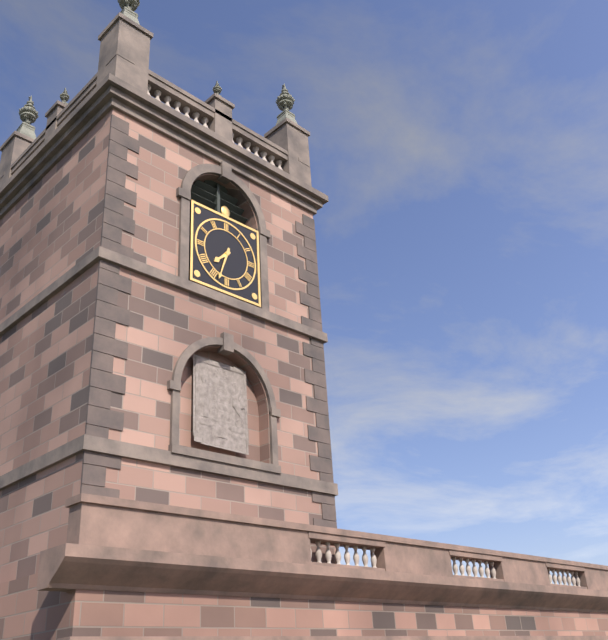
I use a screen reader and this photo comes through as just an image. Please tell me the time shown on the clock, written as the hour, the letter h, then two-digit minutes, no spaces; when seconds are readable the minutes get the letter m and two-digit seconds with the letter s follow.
7h33
